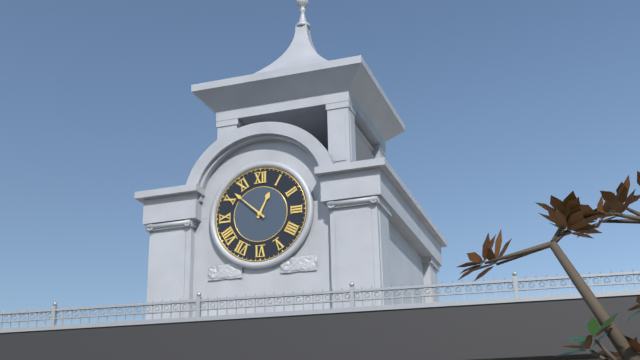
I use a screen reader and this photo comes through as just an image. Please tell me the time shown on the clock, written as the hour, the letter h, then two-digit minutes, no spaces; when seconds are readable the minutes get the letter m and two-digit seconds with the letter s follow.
12h52
